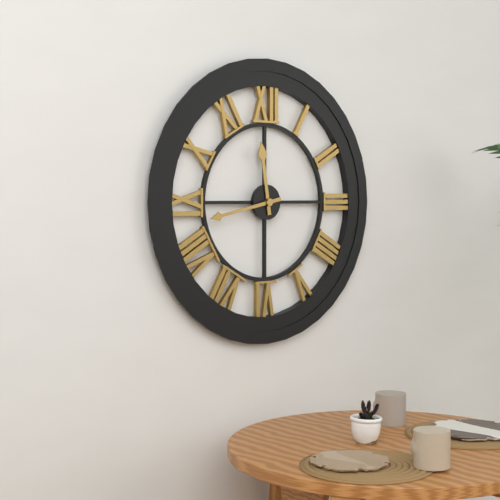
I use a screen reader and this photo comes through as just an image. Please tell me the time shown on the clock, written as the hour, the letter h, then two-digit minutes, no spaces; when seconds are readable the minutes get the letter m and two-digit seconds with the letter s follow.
11h43
